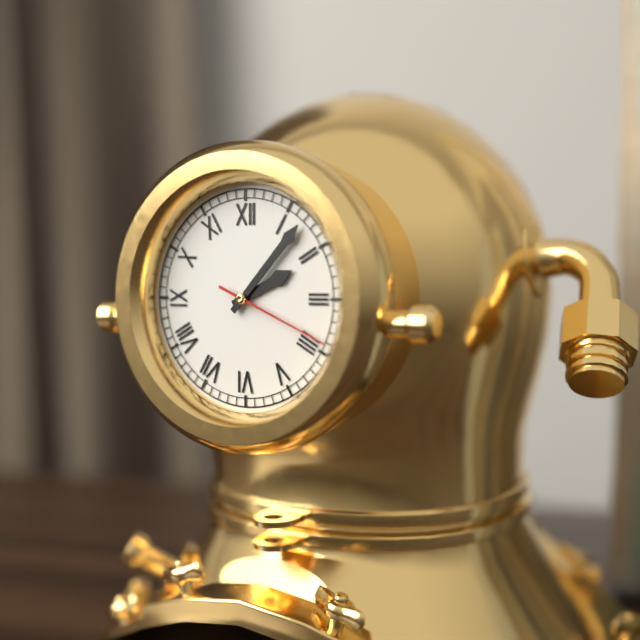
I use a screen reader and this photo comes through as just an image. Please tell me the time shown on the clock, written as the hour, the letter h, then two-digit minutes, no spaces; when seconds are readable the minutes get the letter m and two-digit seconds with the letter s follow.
2h07m19s
